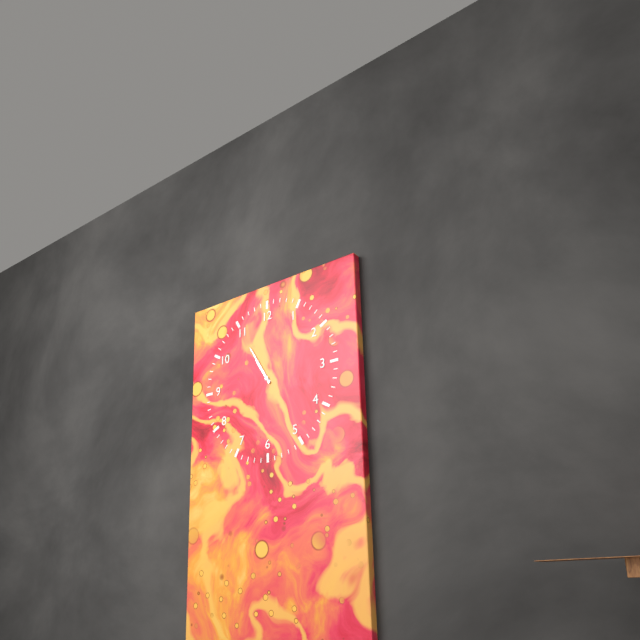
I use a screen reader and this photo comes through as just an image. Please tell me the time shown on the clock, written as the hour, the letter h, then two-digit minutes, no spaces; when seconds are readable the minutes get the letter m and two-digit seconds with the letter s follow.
10h55
